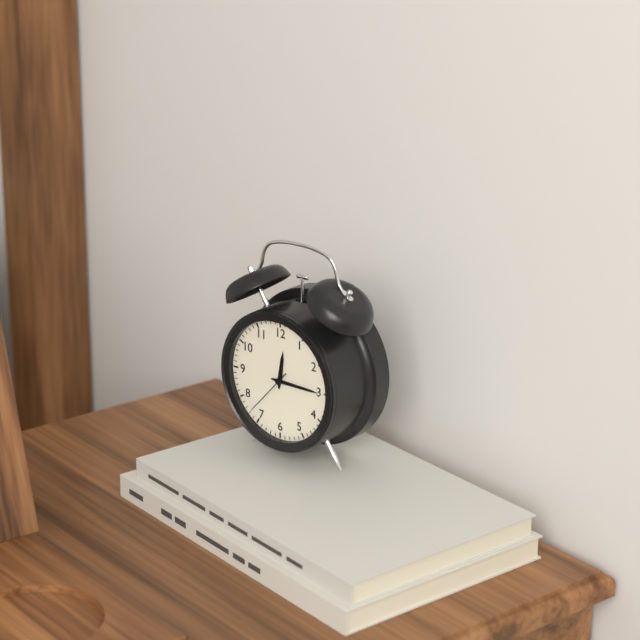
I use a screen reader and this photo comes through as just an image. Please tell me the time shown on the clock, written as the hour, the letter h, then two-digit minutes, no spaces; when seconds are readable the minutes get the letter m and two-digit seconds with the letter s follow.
12h15m37s
